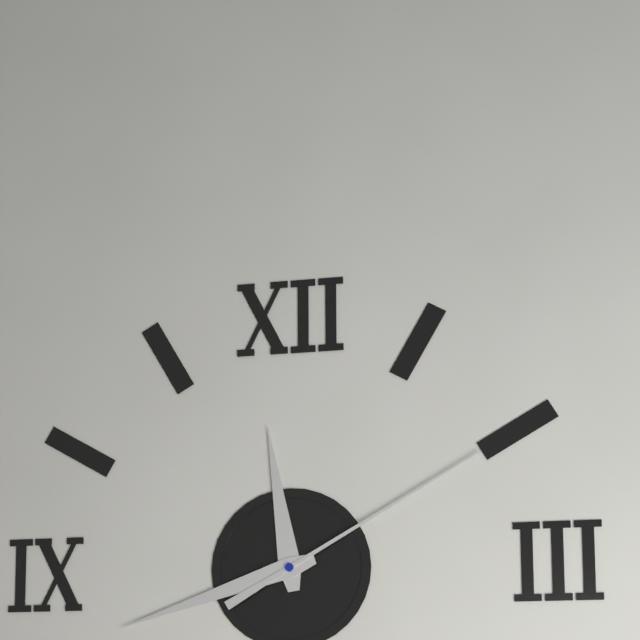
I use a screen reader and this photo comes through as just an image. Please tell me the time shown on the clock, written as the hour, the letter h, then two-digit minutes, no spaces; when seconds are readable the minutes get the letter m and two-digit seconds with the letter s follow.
11h42m10s
